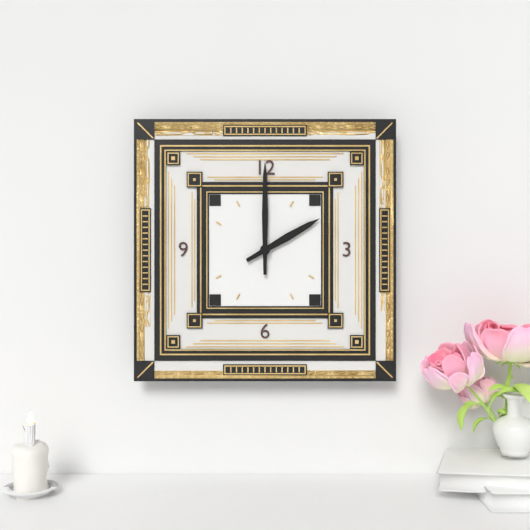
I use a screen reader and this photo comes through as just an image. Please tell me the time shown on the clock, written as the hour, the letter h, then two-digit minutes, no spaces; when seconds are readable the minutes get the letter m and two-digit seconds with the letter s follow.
2h00
